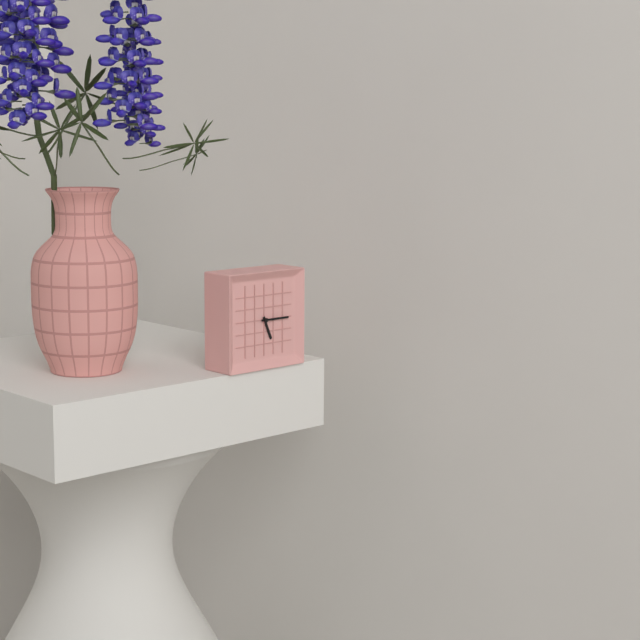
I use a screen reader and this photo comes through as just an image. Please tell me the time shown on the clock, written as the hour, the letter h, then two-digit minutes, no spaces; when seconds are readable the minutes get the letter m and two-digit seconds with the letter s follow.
5h15
